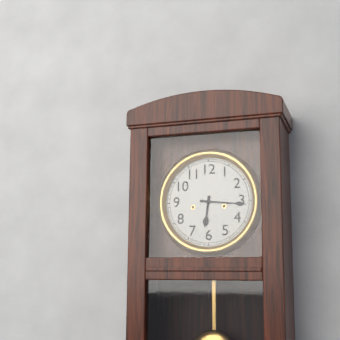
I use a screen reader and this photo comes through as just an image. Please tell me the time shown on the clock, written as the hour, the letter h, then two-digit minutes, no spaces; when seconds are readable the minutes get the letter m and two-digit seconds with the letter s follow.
6h16
